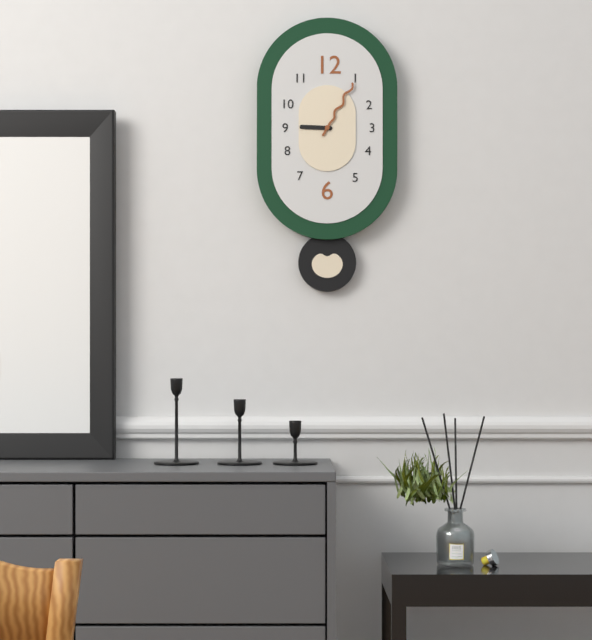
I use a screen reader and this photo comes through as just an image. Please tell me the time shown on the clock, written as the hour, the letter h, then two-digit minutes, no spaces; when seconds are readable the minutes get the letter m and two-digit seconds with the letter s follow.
9h05
